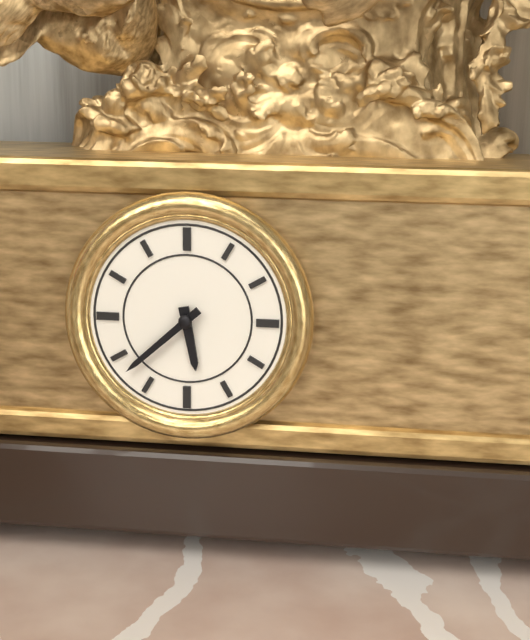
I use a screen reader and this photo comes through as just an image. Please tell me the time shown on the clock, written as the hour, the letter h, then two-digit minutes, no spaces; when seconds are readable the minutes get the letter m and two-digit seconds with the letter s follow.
5h38
